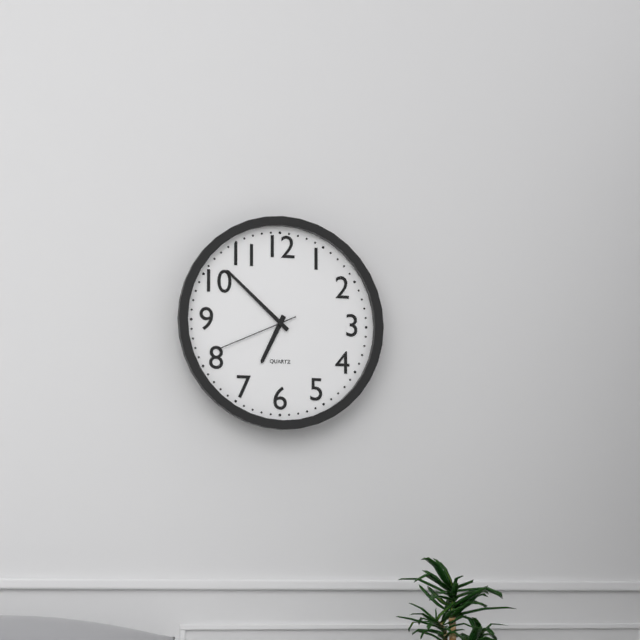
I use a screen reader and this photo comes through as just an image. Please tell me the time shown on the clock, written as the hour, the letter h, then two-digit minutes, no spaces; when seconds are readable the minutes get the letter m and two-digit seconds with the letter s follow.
6h52m41s
